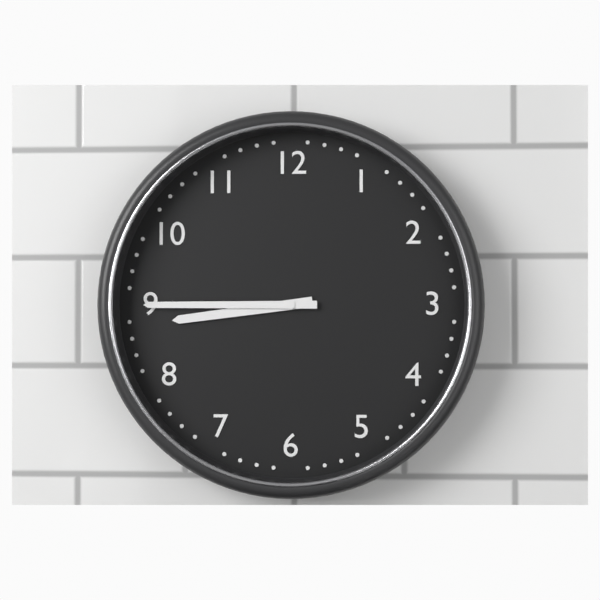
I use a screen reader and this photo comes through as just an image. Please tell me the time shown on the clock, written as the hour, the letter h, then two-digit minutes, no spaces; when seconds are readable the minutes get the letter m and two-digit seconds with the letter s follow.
8h45
